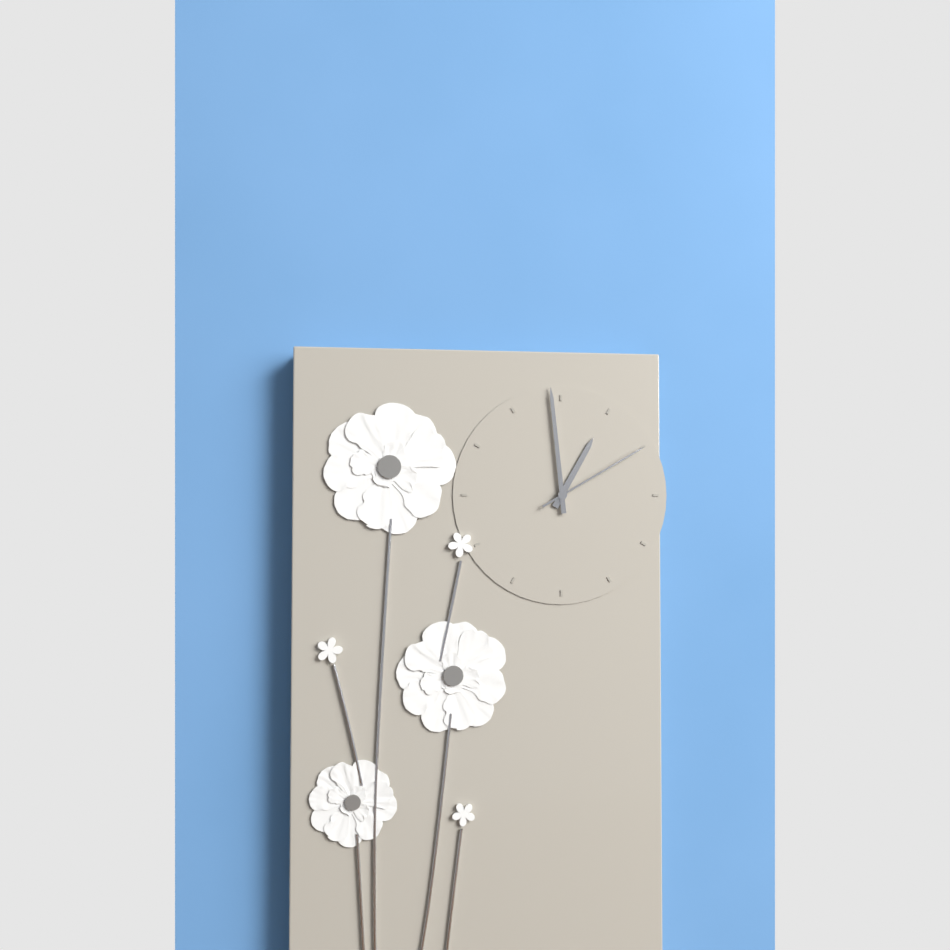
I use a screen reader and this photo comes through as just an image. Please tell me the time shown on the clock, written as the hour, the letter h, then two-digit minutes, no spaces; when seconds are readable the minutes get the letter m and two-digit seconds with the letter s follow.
12h59m10s
